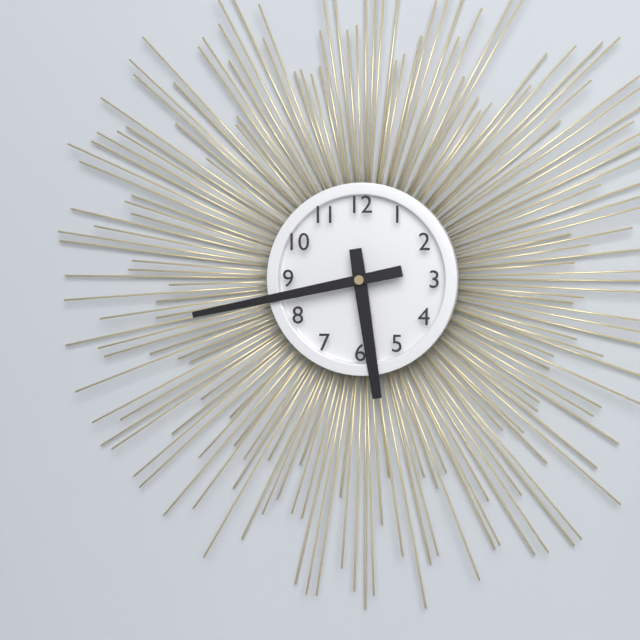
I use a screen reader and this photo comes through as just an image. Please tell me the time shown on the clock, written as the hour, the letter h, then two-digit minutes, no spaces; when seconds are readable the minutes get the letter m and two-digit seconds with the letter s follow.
5h43
